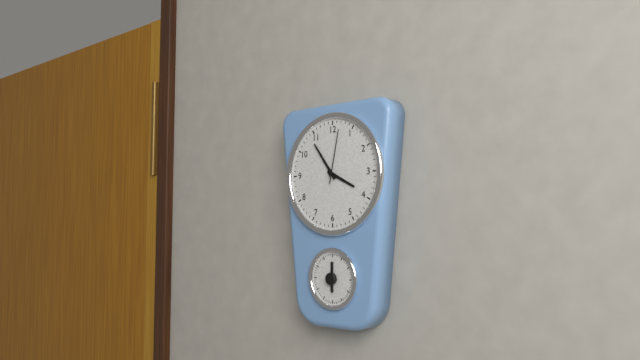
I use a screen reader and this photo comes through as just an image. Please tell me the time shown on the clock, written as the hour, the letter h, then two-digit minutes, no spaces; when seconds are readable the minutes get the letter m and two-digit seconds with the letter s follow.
3h54m02s
